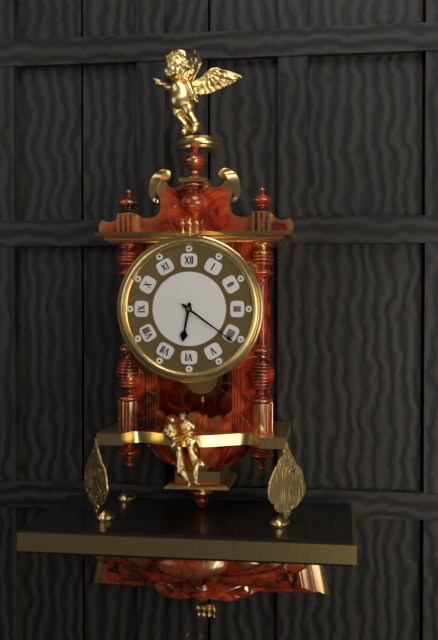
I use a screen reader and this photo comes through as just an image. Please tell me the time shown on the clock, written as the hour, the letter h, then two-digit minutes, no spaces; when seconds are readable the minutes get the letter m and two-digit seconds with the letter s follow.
6h21
